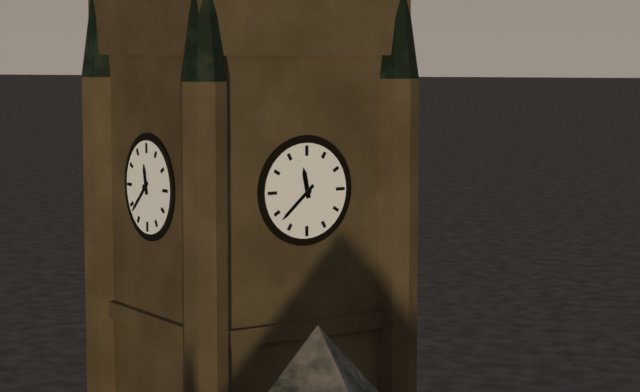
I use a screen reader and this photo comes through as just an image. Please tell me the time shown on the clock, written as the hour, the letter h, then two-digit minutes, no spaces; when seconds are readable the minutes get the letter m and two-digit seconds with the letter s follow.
11h38
